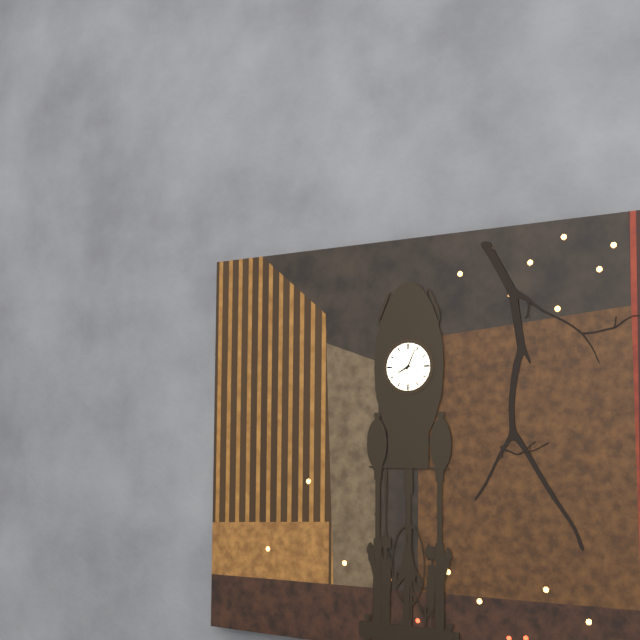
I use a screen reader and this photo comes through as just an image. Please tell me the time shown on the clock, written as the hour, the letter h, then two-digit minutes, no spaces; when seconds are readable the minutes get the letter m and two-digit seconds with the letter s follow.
8h04
